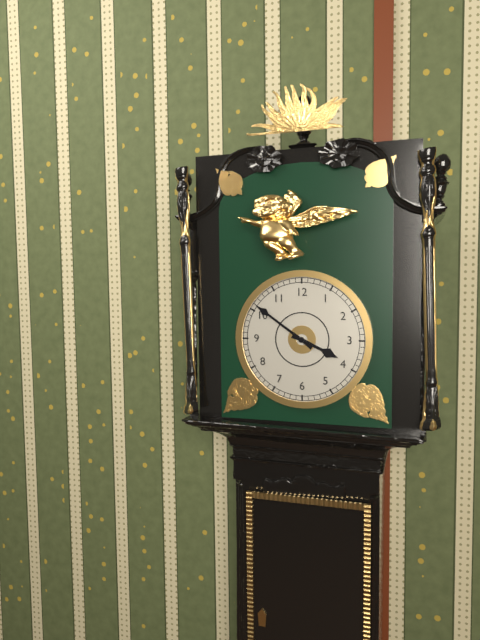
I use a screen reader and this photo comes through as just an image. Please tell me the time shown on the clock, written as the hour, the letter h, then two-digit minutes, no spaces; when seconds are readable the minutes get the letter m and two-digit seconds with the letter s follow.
3h51
